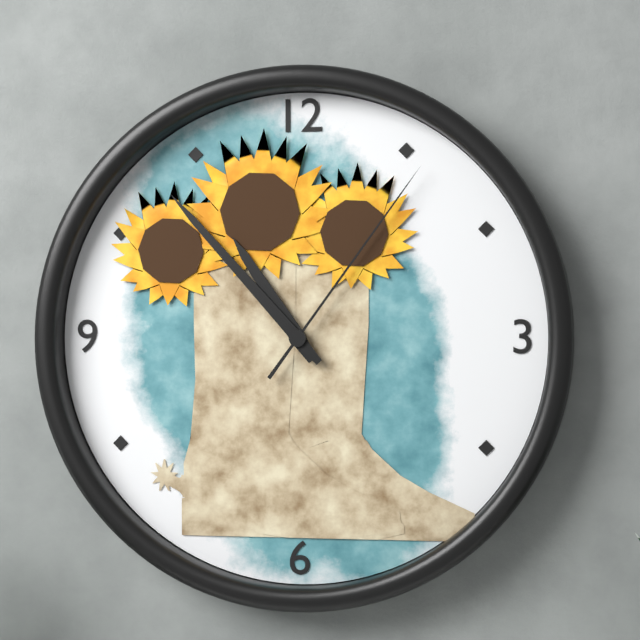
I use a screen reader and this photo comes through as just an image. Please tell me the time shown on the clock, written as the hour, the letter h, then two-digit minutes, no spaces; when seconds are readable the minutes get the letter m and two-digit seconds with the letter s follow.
10h53m06s
